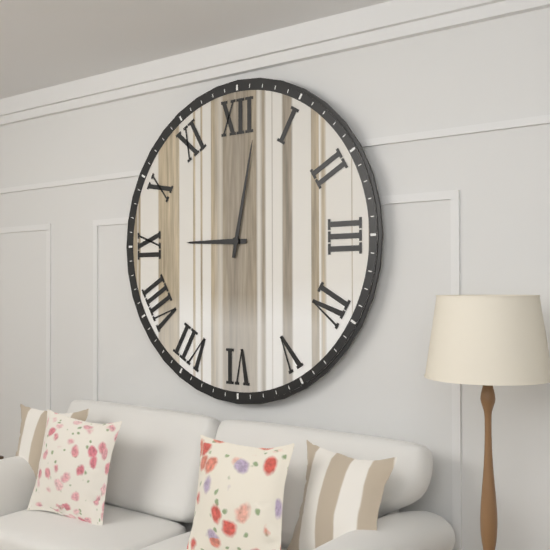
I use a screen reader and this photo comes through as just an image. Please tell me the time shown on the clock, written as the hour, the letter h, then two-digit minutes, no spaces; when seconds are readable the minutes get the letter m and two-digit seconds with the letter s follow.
9h02
